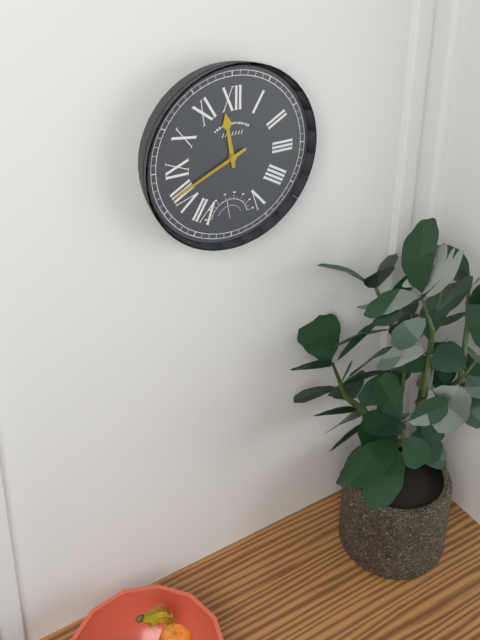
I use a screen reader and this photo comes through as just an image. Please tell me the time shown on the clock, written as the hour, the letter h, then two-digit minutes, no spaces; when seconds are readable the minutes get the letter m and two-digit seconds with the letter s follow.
11h41
